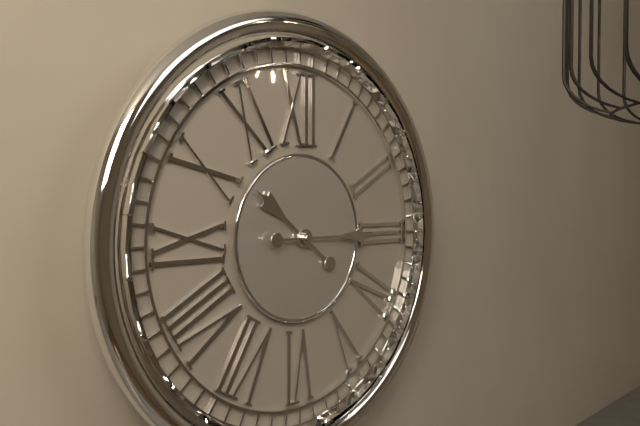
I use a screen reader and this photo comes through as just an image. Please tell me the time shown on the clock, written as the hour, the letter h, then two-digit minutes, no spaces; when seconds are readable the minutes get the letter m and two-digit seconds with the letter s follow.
10h15
